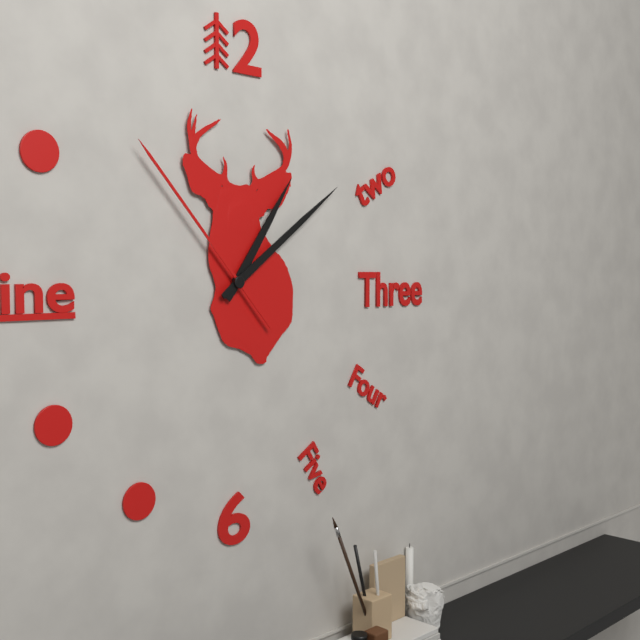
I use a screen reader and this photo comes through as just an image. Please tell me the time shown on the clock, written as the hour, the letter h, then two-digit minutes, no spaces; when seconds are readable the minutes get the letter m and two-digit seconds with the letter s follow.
1h09m53s
